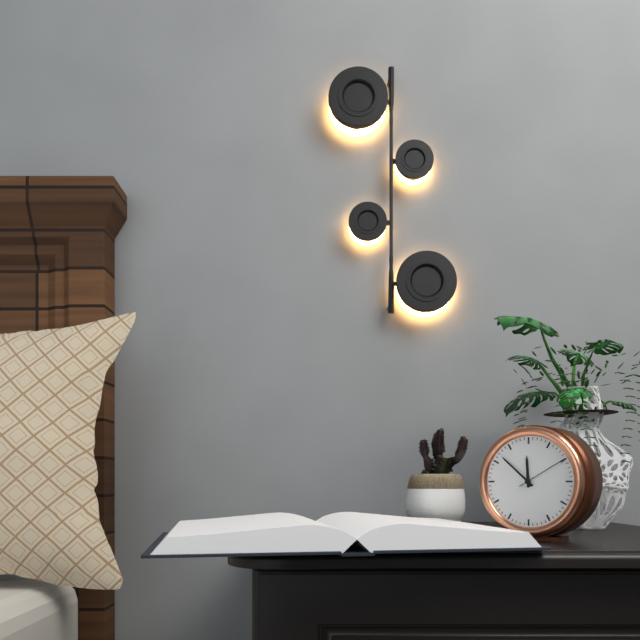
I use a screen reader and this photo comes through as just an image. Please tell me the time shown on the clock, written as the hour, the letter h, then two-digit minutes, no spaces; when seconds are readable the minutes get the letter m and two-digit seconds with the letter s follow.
11h52
